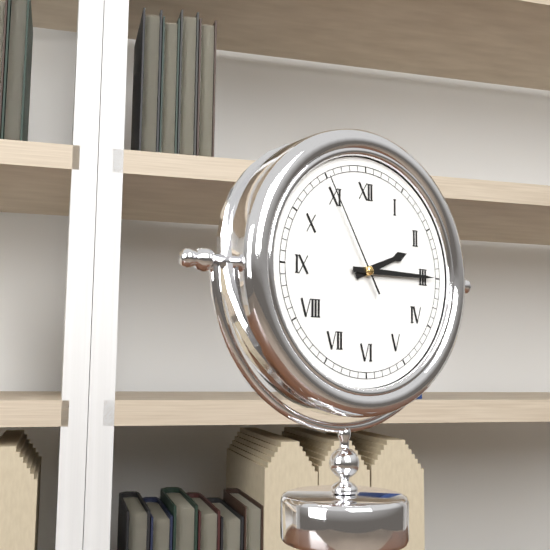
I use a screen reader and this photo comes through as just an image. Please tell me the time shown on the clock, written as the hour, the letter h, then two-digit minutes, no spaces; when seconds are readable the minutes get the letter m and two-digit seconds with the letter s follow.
2h15m55s
